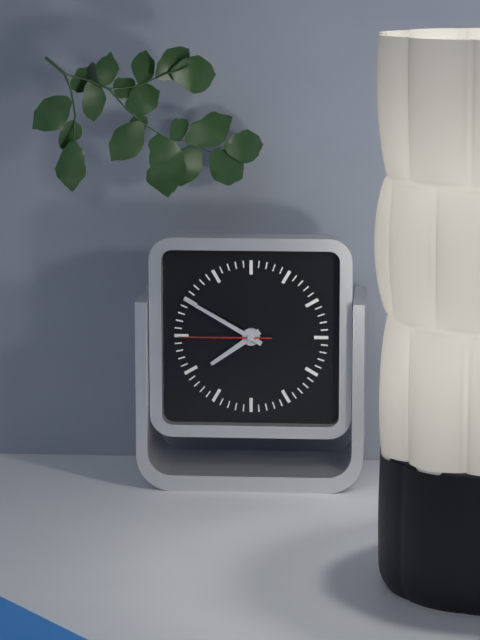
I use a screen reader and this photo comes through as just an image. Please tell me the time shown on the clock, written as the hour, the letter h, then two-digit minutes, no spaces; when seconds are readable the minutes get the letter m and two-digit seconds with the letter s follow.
7h50m45s
